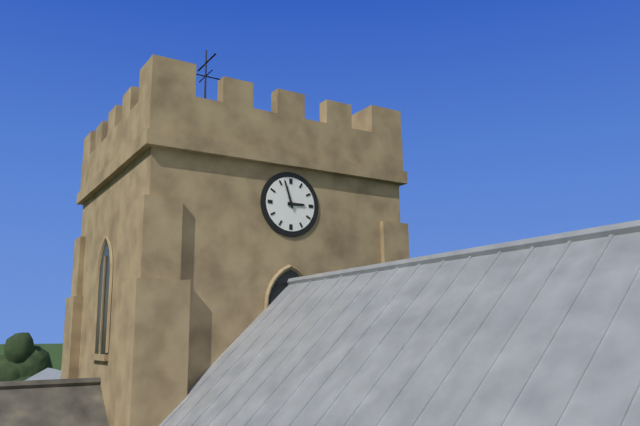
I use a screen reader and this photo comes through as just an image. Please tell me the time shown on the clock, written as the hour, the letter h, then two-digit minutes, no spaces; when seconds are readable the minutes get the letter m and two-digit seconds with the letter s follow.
2h57
